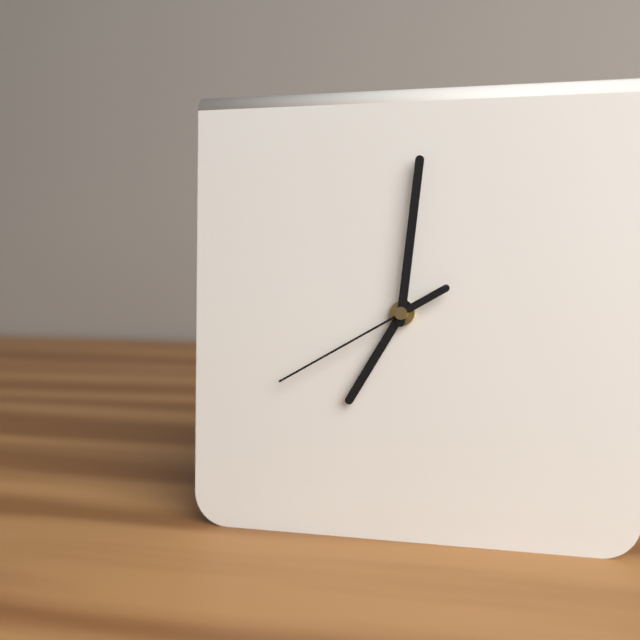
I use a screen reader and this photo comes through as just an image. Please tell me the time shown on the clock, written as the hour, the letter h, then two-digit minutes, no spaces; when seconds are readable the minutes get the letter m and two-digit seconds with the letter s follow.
7h01m40s
